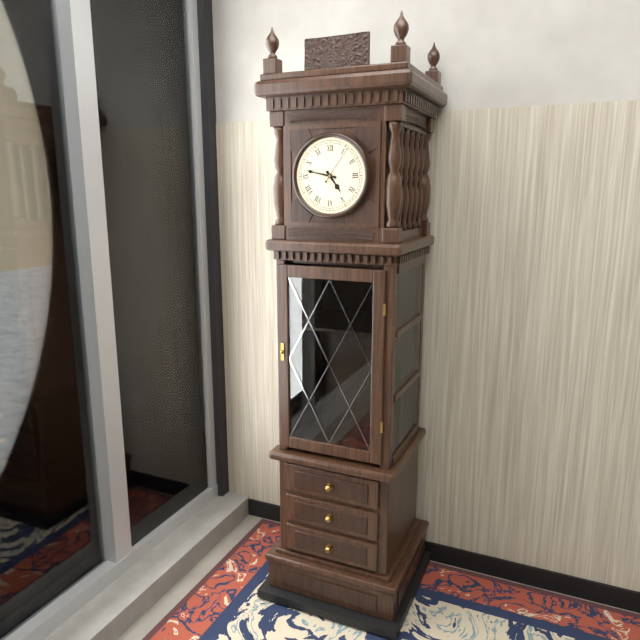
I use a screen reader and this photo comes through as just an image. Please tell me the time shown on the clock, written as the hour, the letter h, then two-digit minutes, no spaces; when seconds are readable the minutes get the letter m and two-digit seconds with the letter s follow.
4h47
